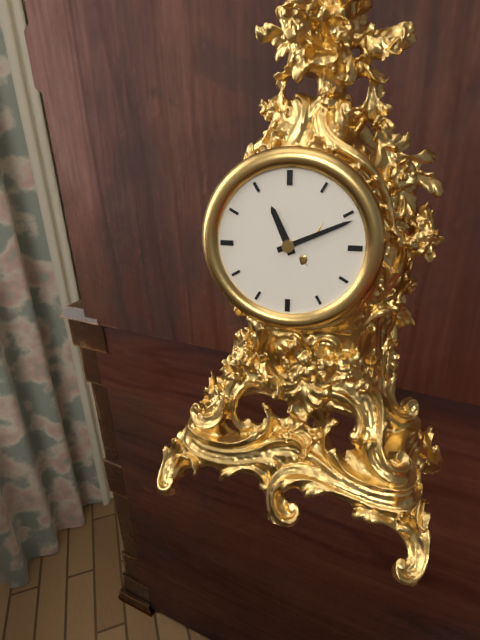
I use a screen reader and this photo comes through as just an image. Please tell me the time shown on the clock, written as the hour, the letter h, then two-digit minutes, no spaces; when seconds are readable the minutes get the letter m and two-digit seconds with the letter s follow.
11h11
